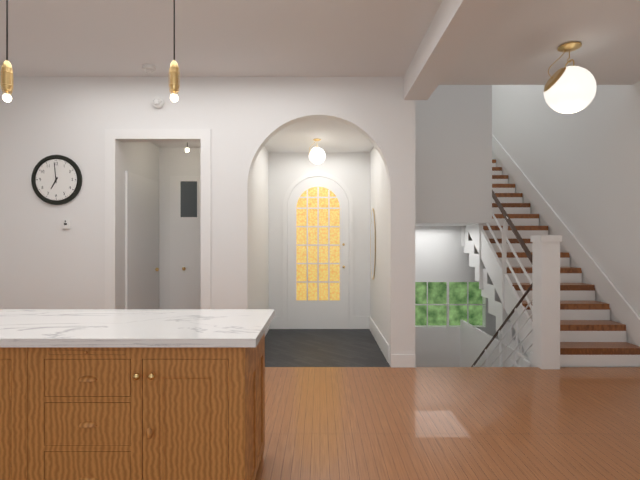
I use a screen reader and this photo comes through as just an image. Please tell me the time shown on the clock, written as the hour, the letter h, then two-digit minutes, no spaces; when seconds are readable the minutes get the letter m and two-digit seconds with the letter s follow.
6h59
